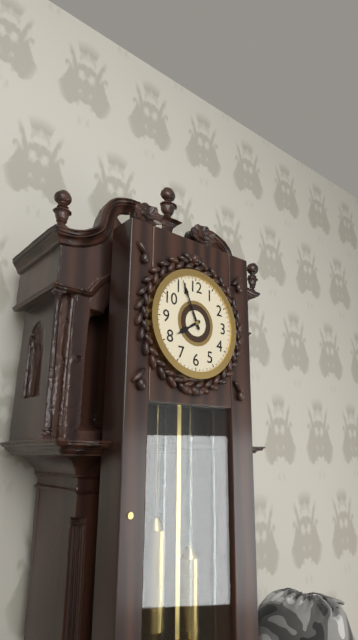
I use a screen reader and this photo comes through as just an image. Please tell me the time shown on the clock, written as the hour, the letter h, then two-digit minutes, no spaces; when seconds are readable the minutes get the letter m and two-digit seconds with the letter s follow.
7h56
